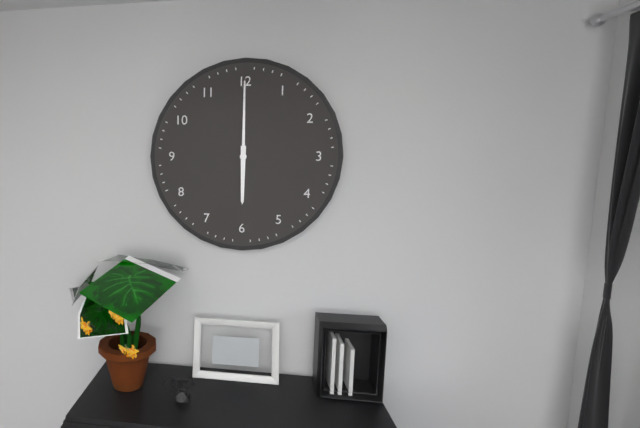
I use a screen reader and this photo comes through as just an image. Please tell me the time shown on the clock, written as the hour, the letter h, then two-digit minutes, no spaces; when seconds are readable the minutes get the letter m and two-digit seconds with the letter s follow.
6h00
